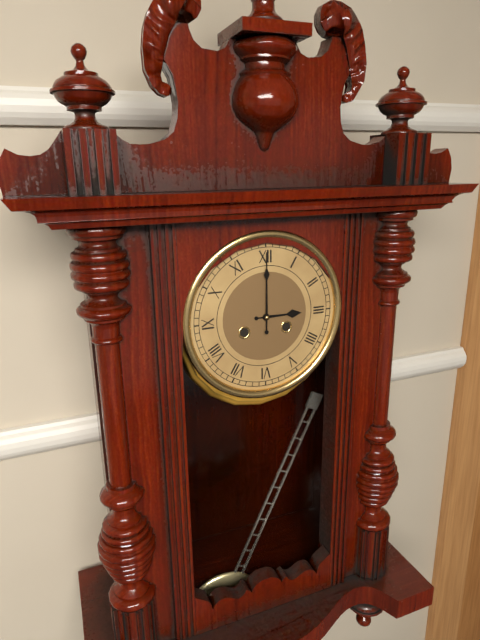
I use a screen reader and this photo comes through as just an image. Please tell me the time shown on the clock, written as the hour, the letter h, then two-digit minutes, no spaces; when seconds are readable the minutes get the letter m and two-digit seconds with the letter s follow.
3h00
